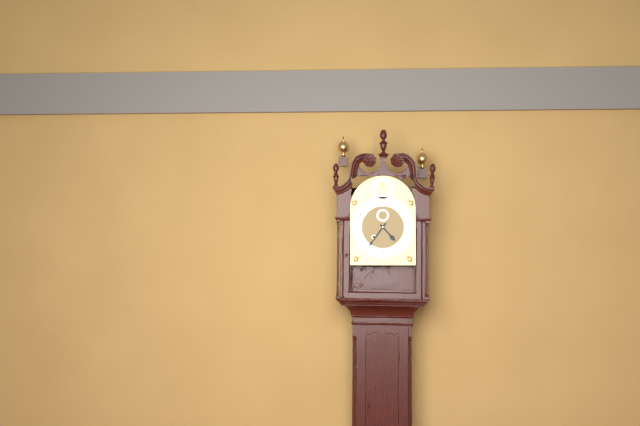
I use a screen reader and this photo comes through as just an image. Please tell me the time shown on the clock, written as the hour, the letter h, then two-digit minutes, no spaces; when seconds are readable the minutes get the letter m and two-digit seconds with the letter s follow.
4h36
